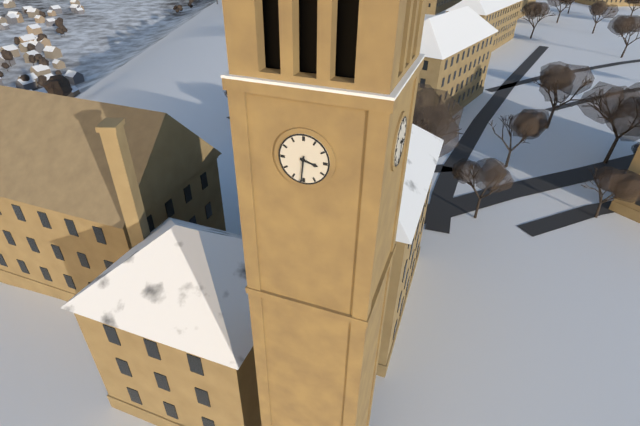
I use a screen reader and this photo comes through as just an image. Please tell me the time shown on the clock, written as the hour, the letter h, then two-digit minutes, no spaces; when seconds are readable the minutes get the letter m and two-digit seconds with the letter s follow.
3h31
